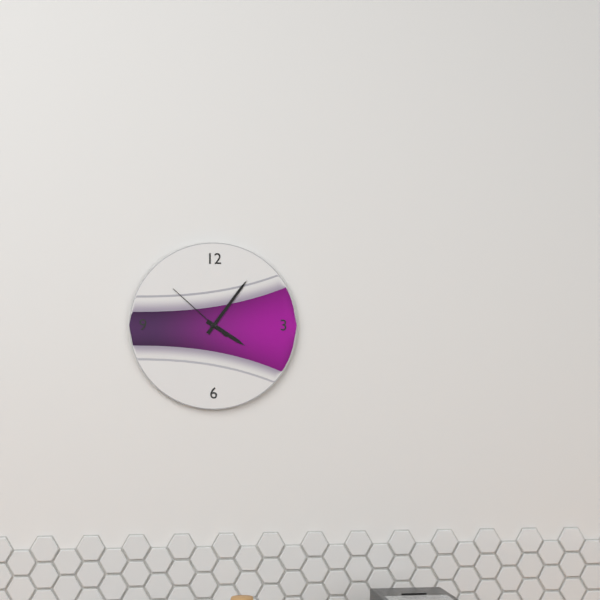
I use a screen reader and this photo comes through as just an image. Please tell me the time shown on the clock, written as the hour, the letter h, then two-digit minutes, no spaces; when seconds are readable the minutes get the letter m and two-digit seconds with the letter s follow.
4h06m52s
